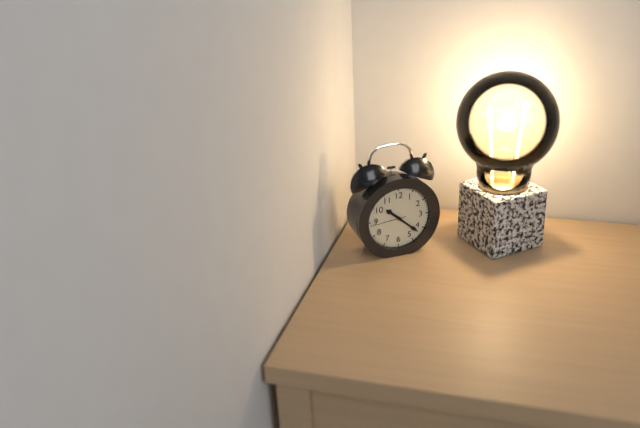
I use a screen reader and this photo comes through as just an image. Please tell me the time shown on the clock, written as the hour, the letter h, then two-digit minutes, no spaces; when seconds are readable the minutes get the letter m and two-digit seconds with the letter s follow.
10h22
